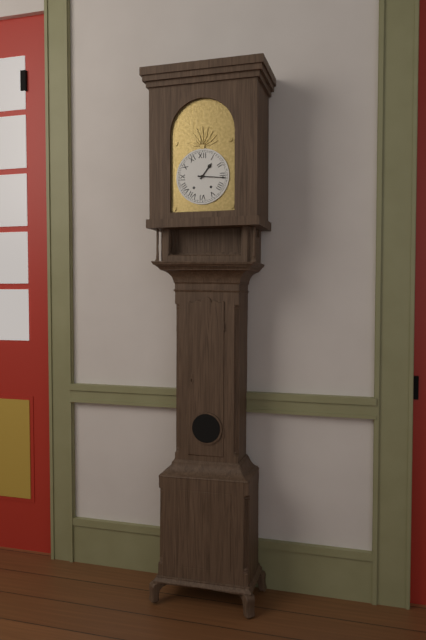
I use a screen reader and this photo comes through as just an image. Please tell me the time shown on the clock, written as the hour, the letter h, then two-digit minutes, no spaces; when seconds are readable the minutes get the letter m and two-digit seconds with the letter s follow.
1h16
